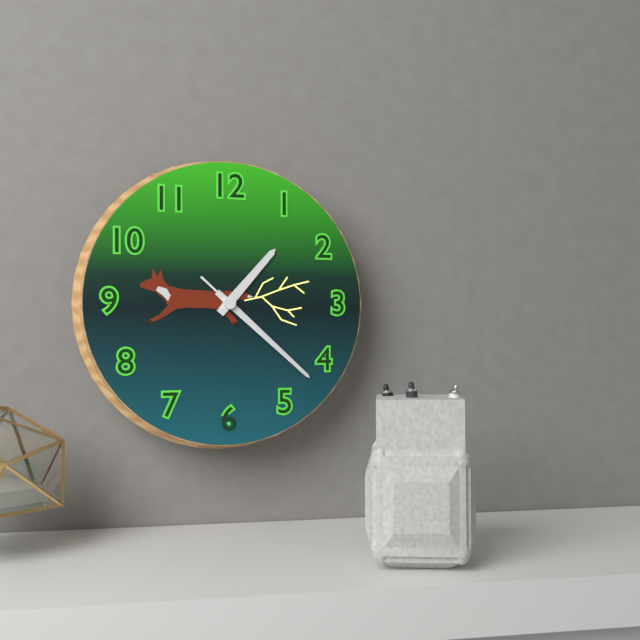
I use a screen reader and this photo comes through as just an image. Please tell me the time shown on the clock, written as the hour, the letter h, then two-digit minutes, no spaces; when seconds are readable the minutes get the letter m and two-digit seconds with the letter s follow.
1h22m22s
